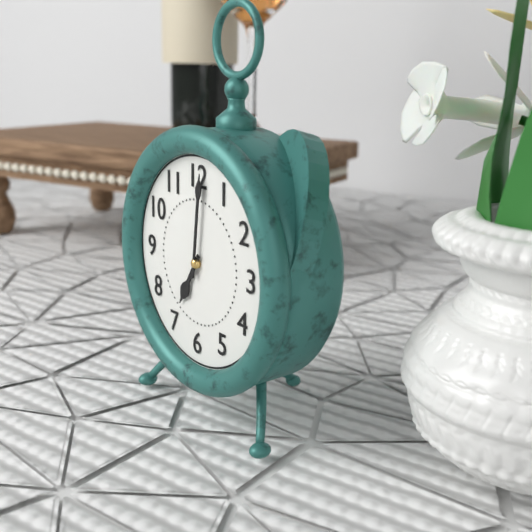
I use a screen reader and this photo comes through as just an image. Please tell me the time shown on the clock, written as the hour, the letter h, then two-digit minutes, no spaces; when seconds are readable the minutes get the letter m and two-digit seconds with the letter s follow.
7h01
